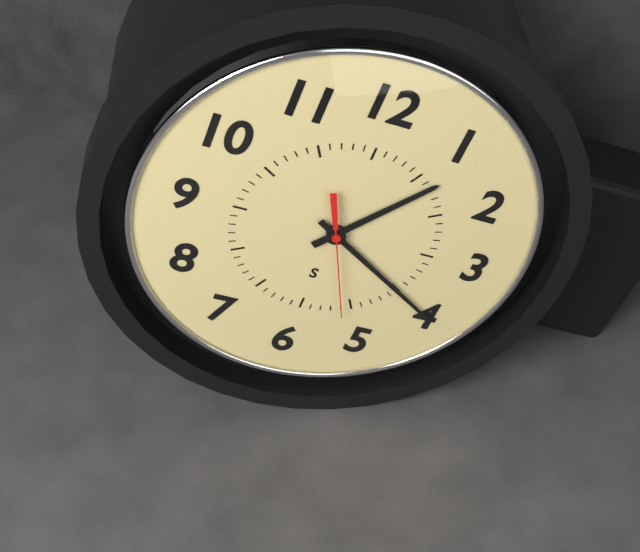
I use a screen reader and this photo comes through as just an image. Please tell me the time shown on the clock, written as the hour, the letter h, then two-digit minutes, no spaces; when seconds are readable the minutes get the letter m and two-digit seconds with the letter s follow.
1h20m26s
